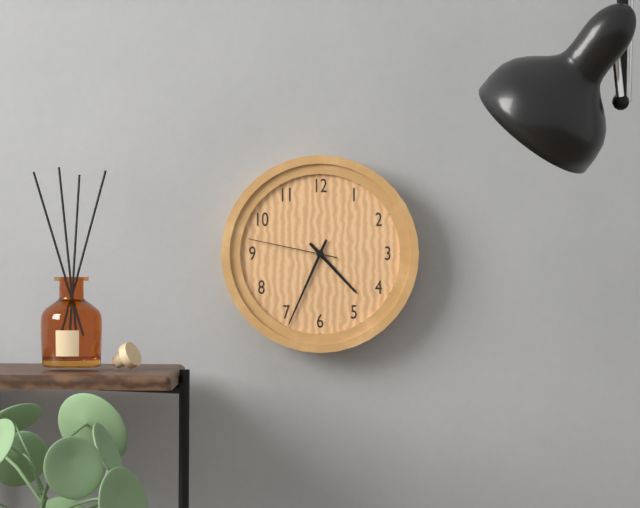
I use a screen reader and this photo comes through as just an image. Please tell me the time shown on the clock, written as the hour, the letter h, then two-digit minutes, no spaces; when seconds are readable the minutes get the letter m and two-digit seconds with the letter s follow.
4h34m47s
